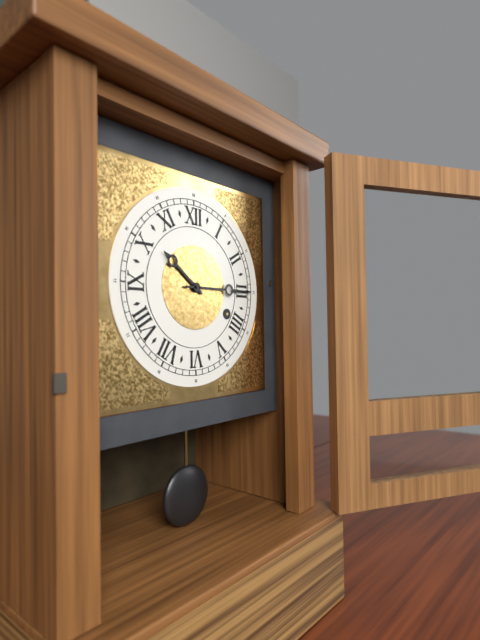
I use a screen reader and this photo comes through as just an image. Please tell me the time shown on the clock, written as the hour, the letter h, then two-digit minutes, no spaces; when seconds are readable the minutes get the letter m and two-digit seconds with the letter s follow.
10h15
